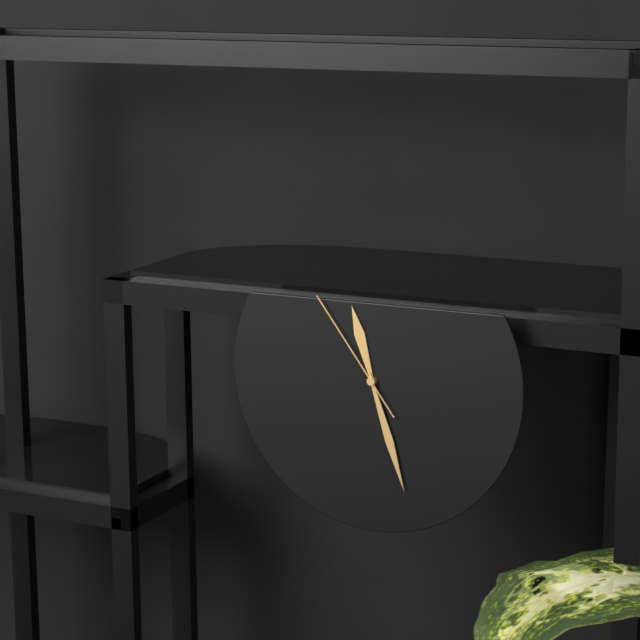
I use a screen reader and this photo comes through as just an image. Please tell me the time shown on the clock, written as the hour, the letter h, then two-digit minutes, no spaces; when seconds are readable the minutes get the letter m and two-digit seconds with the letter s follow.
11h27m54s
